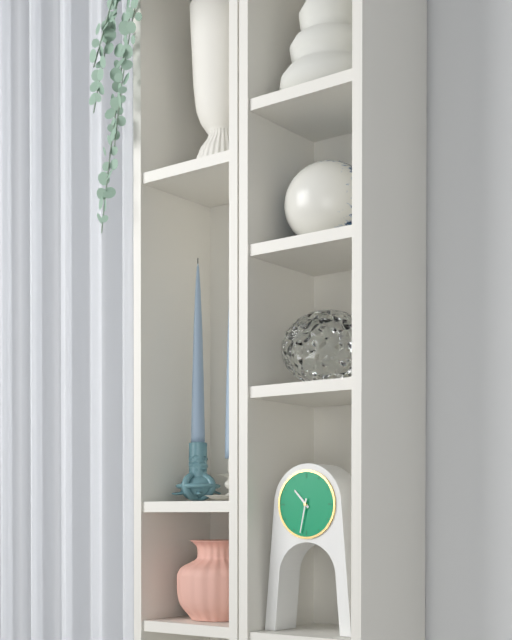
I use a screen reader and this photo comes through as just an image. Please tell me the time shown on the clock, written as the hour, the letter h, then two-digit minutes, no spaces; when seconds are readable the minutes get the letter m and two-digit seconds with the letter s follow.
10h32
